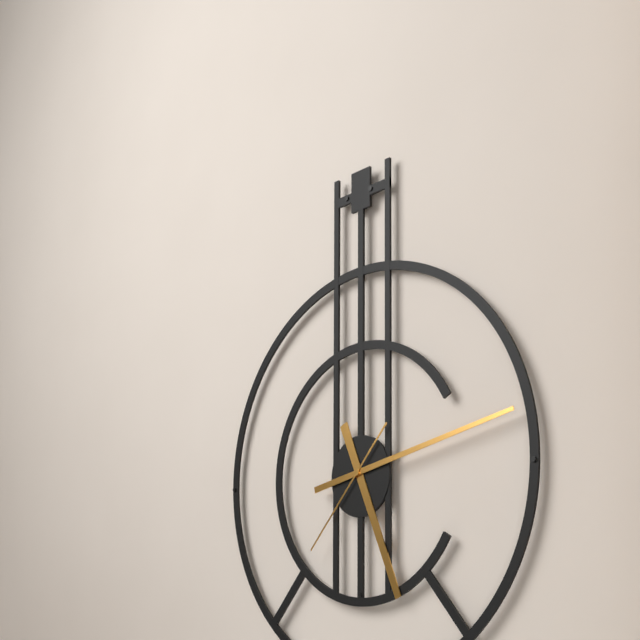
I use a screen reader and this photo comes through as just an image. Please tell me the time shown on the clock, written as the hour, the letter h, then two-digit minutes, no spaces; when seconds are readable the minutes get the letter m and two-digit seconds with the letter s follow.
5h13m37s
